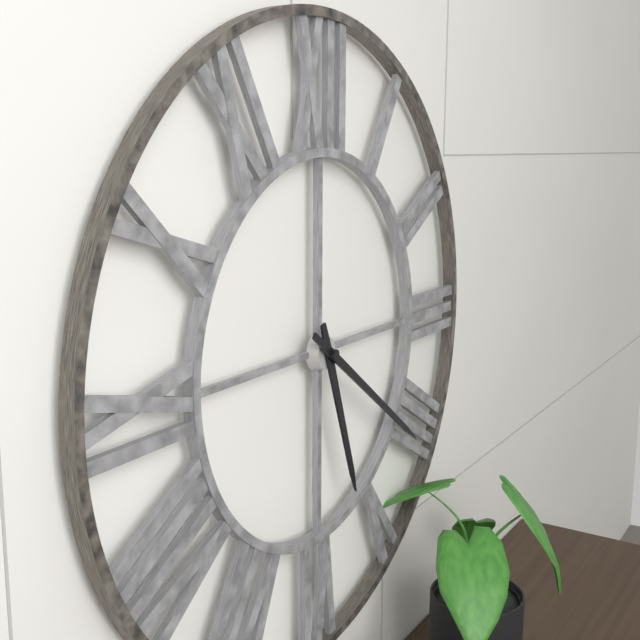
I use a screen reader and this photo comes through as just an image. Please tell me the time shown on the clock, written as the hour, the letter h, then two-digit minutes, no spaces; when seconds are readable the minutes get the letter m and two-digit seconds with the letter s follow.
5h21
